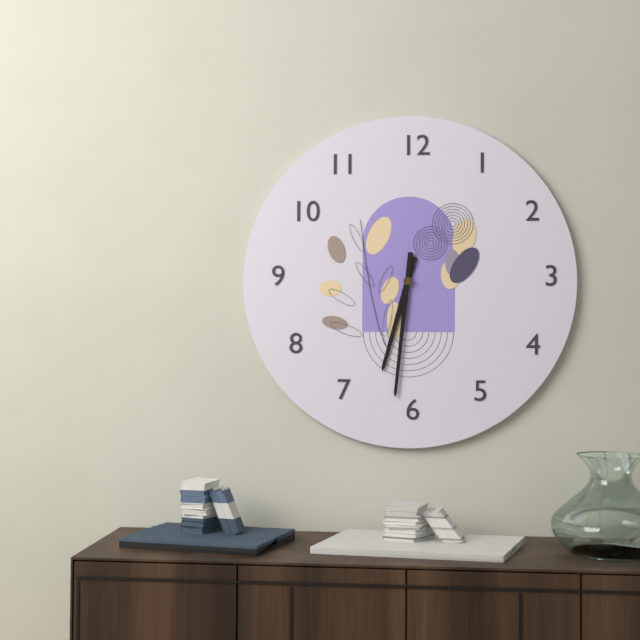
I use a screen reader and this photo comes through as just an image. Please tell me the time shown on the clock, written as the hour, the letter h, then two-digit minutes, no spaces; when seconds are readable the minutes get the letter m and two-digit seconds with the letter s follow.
6h31
